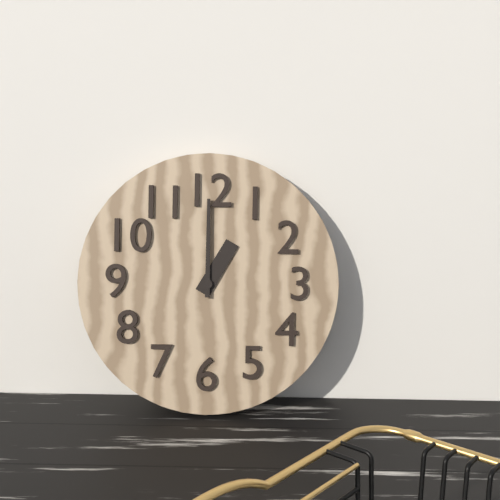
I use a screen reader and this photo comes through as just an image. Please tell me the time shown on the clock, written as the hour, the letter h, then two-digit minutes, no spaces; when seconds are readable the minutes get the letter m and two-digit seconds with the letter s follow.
1h00
